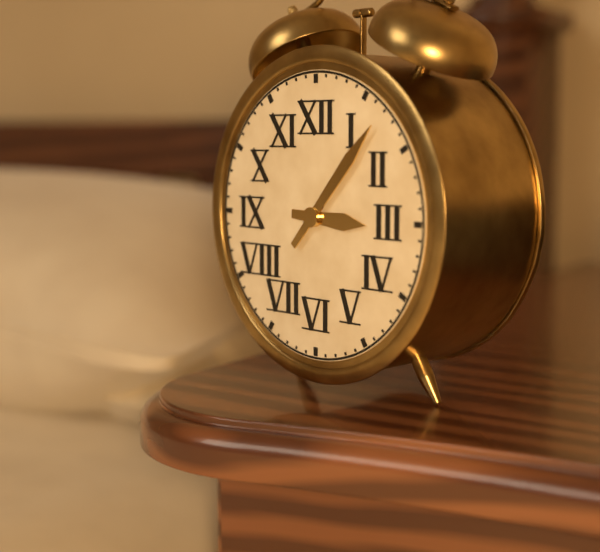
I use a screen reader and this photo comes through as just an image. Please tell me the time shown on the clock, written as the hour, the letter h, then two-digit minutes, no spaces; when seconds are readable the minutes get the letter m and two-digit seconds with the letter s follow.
3h07
